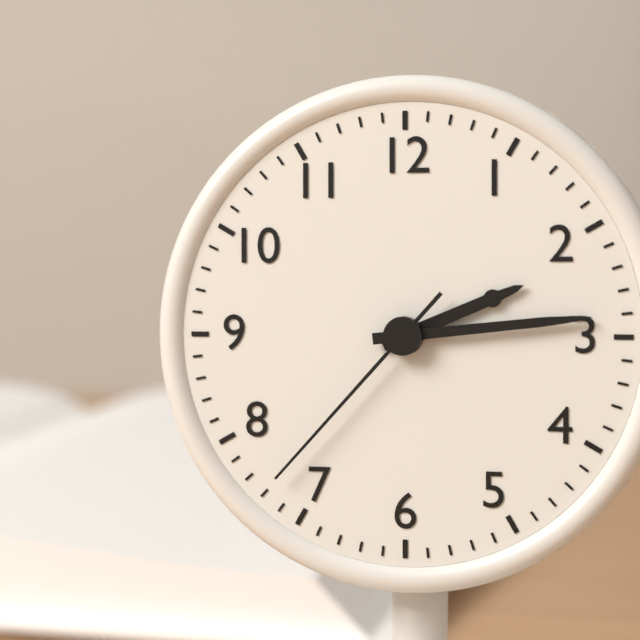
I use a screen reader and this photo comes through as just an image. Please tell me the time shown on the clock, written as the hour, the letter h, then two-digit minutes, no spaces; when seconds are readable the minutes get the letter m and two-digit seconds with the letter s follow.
2h14m37s
